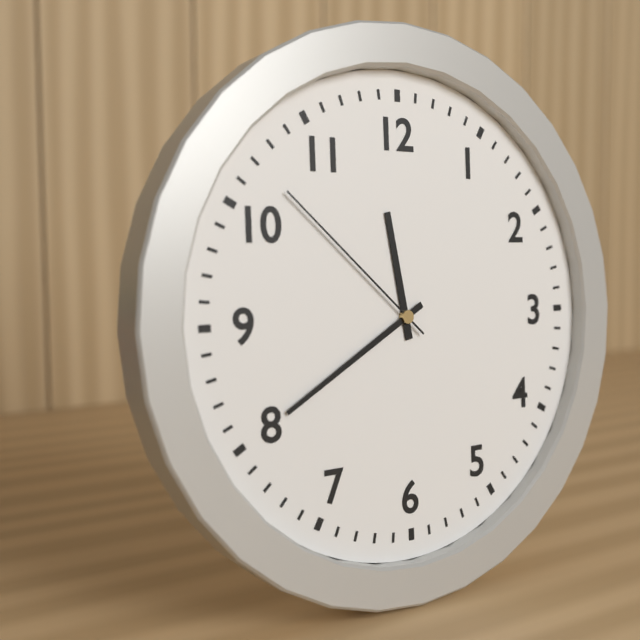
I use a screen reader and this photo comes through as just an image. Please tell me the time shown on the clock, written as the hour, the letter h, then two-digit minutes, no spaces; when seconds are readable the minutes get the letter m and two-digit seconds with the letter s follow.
11h40m52s
